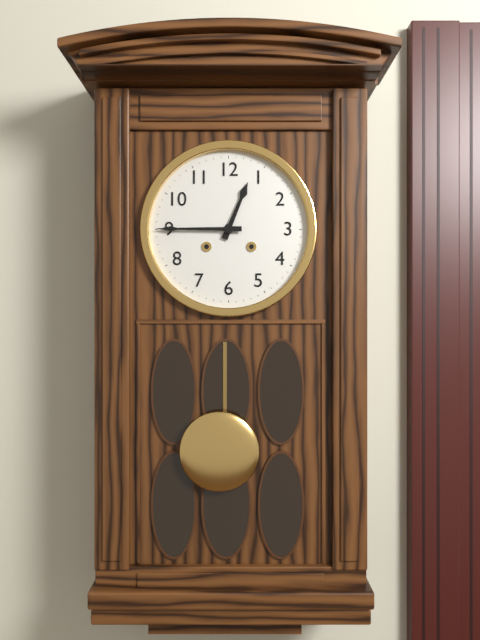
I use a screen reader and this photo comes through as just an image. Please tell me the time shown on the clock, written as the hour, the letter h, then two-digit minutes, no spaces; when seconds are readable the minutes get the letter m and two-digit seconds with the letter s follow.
12h45
